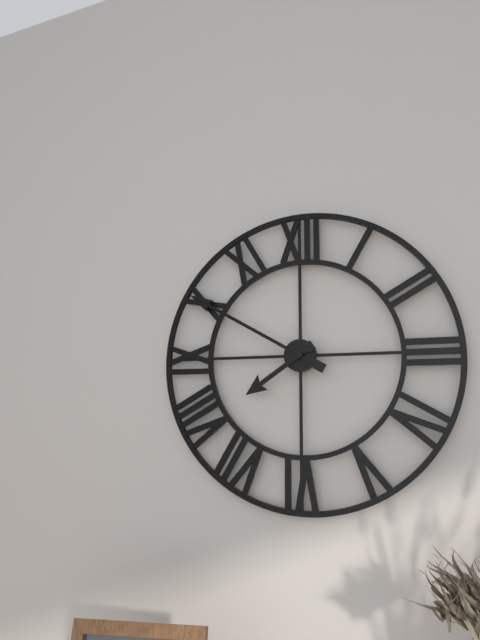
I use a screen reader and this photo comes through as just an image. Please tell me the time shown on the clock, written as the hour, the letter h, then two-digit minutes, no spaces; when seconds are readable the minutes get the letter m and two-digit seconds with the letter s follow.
7h50
